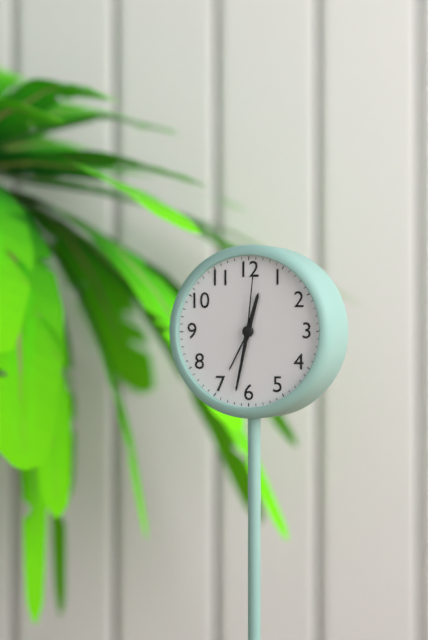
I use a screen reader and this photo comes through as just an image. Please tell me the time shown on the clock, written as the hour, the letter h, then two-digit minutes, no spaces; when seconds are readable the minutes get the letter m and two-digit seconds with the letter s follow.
12h32m01s
